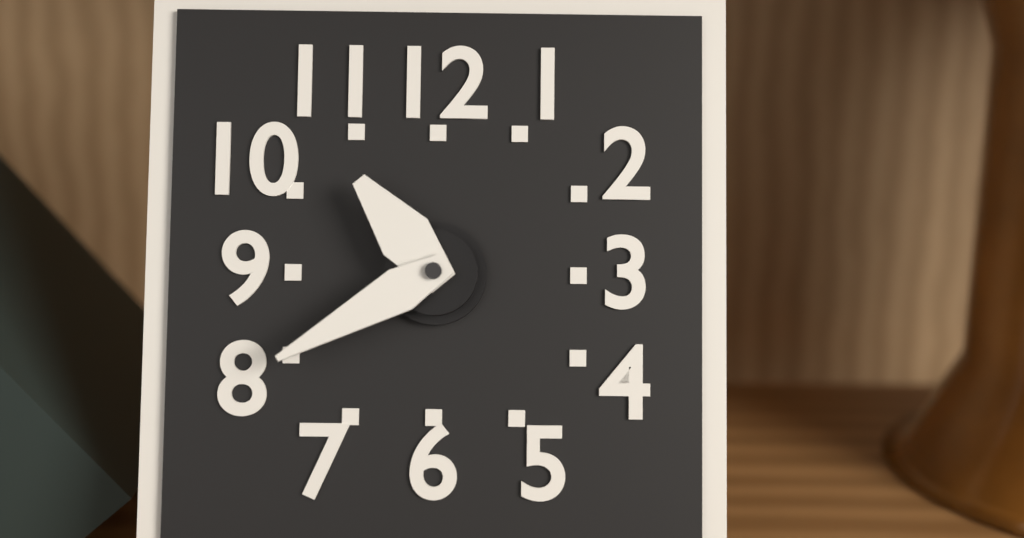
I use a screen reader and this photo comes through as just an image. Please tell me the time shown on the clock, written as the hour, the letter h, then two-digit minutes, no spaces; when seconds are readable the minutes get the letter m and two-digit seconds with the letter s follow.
10h40
